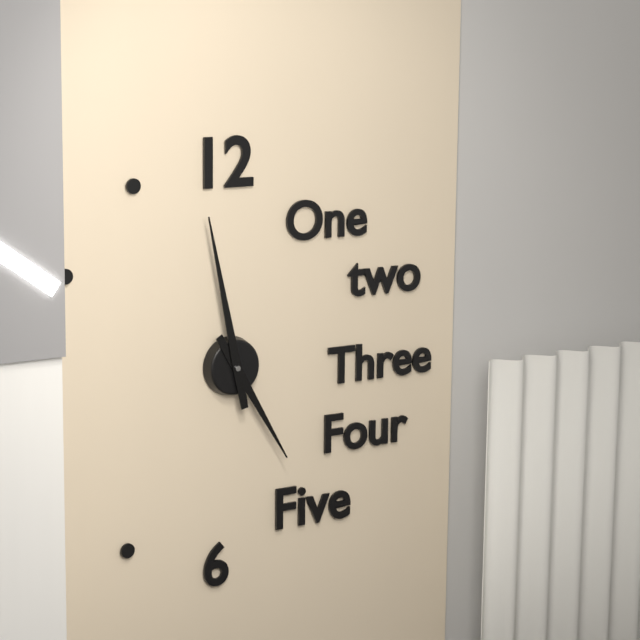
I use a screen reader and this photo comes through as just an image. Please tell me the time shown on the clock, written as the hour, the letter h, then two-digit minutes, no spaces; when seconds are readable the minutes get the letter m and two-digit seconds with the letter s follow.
4h58
